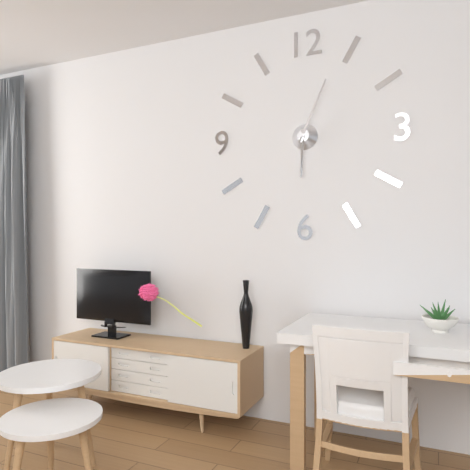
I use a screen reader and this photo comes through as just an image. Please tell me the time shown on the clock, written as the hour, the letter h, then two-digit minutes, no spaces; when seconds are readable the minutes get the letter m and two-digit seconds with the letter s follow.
6h04
